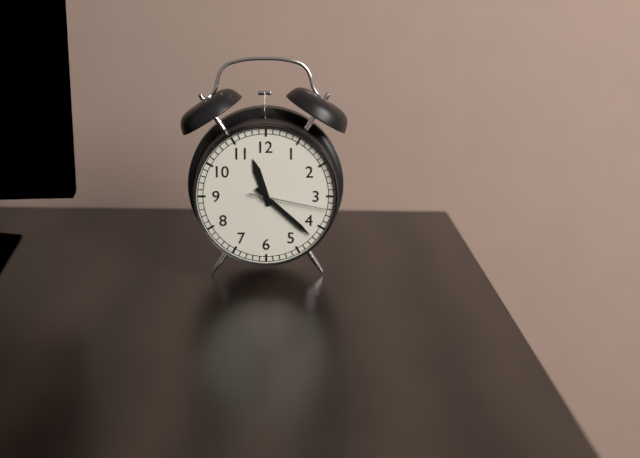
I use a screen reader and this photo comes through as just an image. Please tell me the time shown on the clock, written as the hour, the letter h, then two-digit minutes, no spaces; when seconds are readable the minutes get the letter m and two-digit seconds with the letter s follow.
11h22m17s
